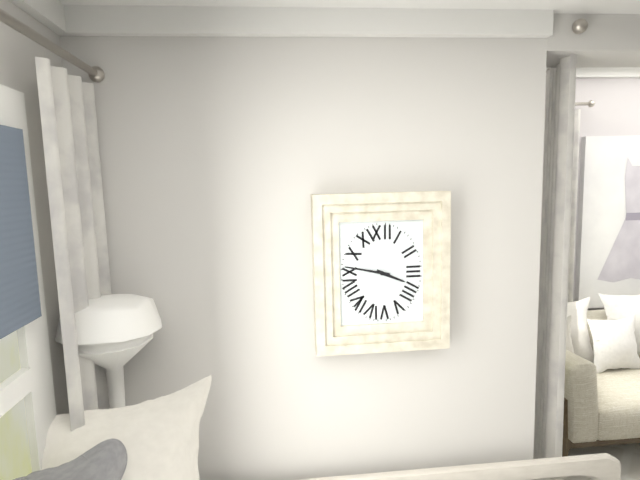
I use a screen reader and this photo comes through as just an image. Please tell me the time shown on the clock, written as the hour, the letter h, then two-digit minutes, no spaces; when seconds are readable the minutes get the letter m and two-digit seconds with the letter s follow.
3h47
